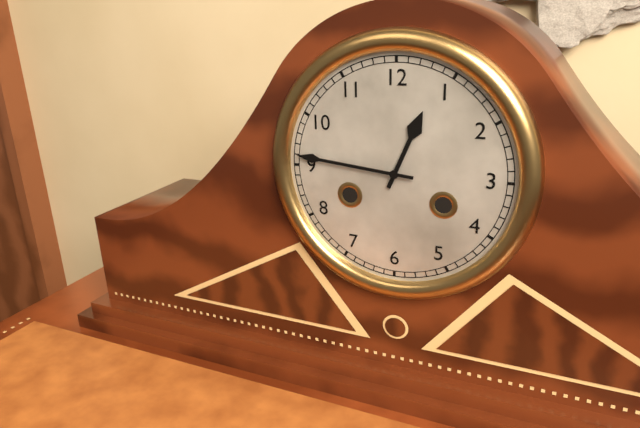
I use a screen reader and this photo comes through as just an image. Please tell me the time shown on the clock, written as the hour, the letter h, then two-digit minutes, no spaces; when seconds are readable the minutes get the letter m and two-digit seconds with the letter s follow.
12h46
